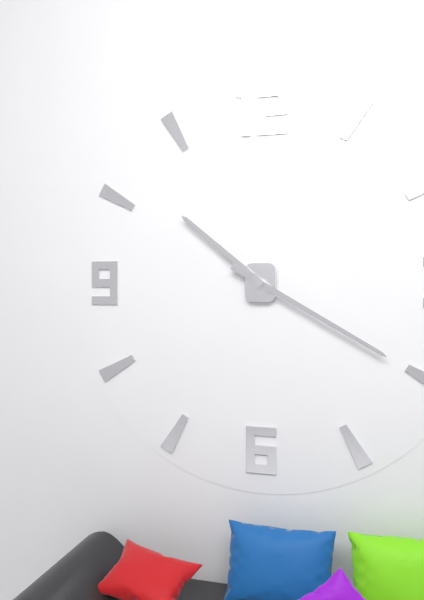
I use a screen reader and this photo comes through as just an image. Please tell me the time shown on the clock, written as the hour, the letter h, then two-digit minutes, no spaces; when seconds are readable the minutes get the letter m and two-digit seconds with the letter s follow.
10h20
